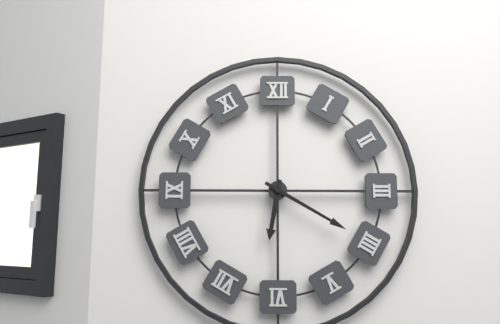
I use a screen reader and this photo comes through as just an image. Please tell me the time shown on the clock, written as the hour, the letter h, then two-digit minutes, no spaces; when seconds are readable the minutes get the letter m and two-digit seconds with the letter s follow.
6h20
